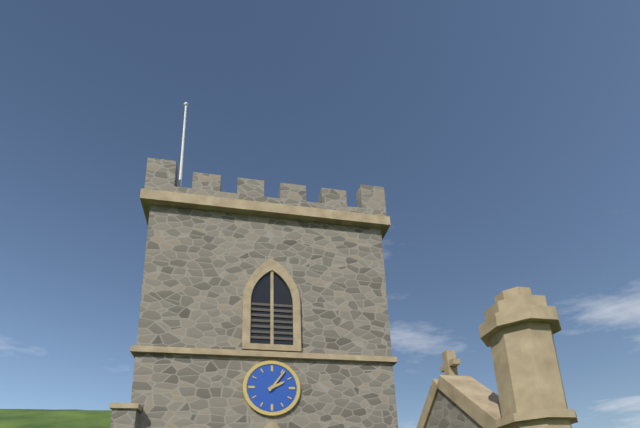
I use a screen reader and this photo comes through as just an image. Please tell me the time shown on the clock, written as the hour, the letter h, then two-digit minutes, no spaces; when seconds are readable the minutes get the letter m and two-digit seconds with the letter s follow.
2h06
